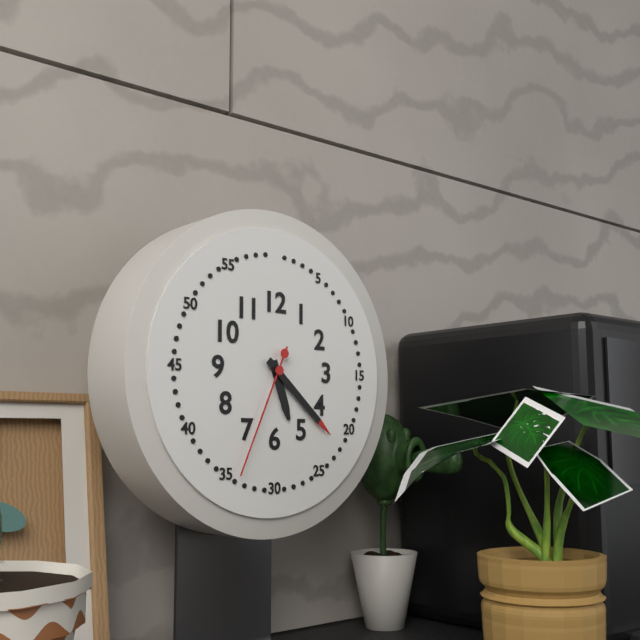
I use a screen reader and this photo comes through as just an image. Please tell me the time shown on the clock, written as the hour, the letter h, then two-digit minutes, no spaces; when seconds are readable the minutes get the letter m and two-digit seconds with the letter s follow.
5h22m34s
